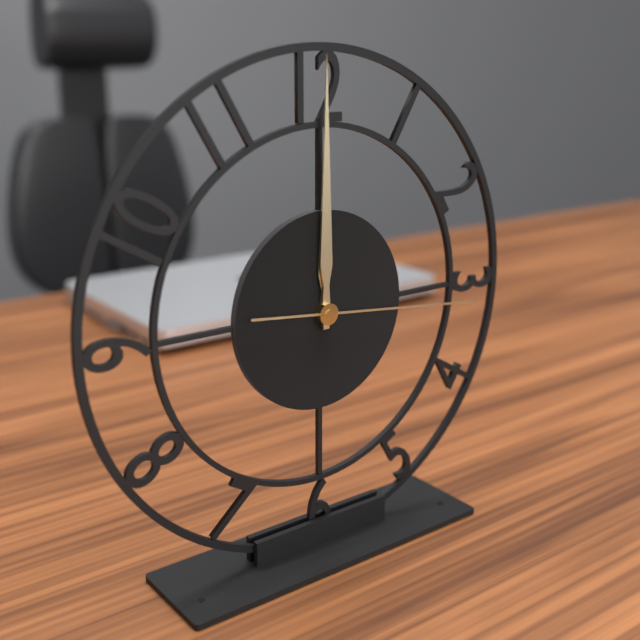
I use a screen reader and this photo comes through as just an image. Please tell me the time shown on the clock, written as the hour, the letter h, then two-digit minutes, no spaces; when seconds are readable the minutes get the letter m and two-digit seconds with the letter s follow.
12h00m16s
